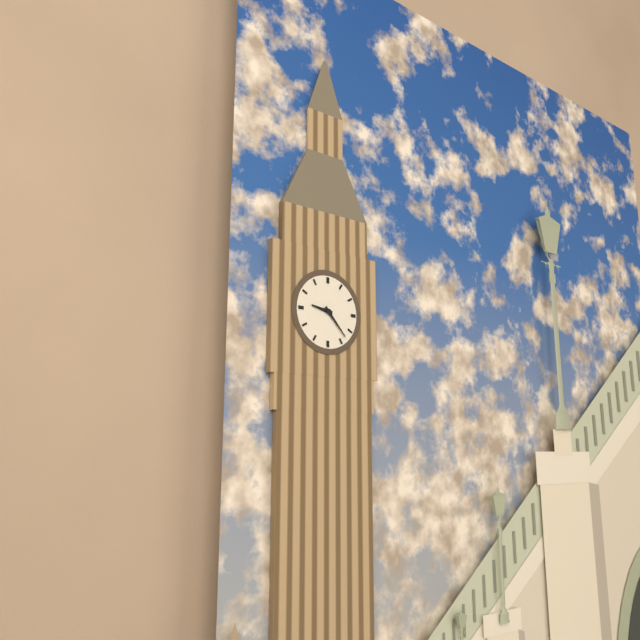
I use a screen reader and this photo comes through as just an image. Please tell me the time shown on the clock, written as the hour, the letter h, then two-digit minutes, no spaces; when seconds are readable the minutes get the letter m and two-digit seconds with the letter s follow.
9h23
